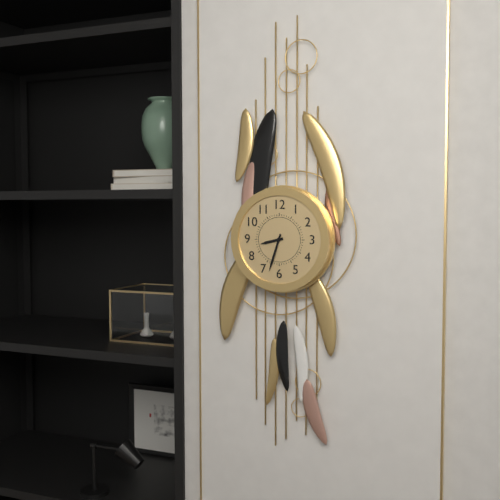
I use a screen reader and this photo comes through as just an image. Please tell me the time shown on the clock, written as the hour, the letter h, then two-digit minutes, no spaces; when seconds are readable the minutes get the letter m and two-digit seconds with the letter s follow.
8h33
